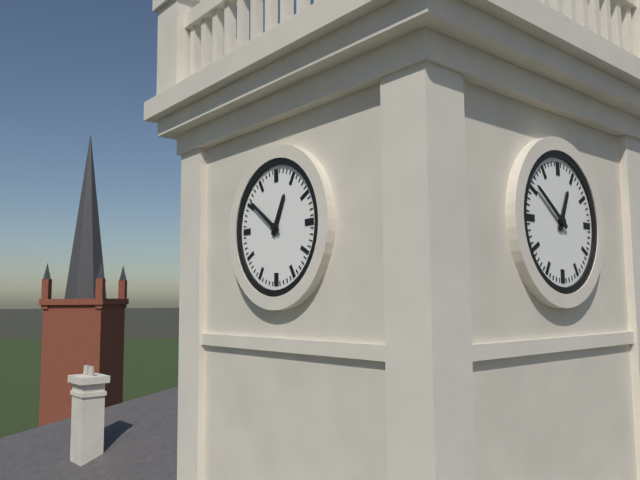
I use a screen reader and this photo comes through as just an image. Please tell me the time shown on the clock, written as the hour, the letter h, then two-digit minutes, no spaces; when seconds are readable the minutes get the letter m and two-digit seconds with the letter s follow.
12h51
